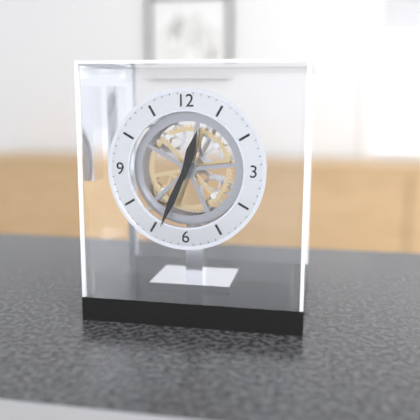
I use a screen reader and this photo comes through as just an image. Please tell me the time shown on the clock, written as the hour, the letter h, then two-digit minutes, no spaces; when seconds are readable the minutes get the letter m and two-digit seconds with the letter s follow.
12h34
